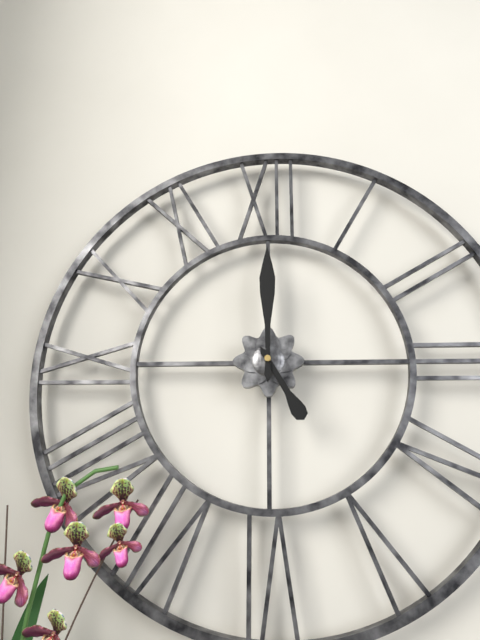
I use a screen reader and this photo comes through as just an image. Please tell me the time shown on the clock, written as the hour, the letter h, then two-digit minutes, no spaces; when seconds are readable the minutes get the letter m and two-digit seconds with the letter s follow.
5h00
